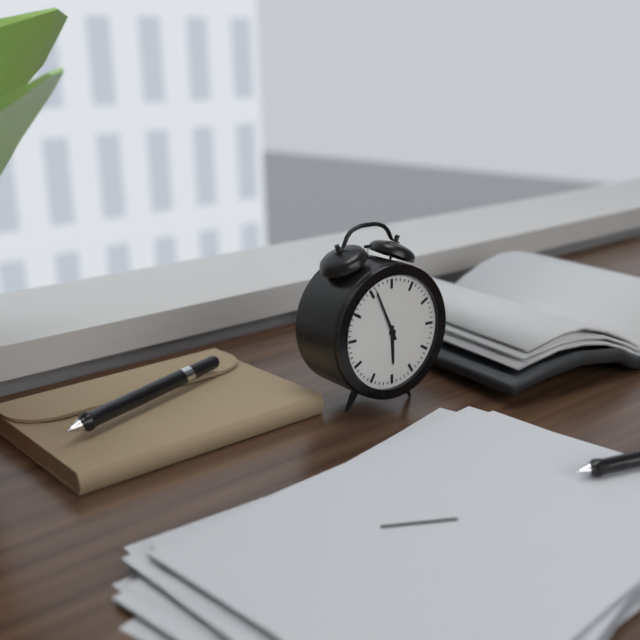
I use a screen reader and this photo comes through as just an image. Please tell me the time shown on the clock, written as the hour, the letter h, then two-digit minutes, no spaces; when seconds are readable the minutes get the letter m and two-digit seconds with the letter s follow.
5h56
